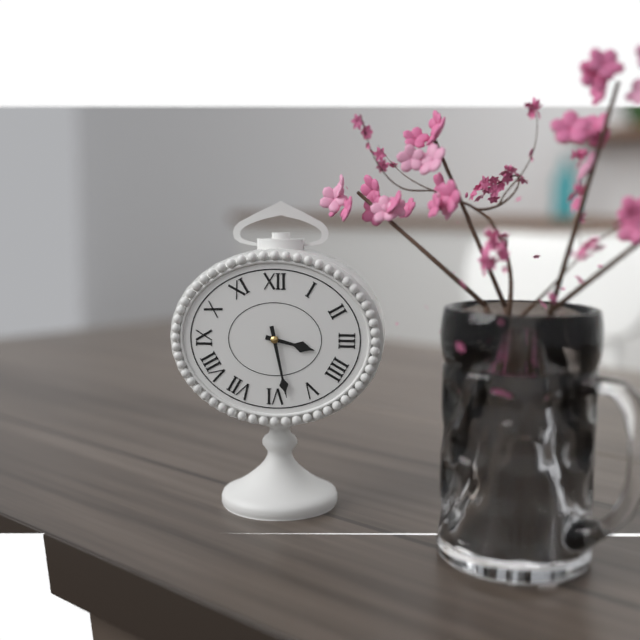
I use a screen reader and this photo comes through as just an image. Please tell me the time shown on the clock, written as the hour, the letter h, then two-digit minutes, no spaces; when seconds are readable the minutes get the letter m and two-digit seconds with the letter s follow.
3h28
